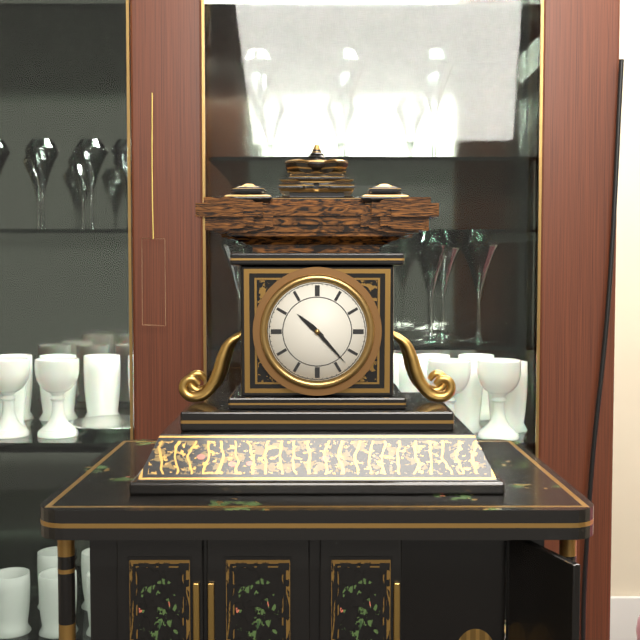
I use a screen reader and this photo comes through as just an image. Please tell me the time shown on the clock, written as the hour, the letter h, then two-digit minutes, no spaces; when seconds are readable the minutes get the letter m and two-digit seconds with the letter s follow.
10h23
